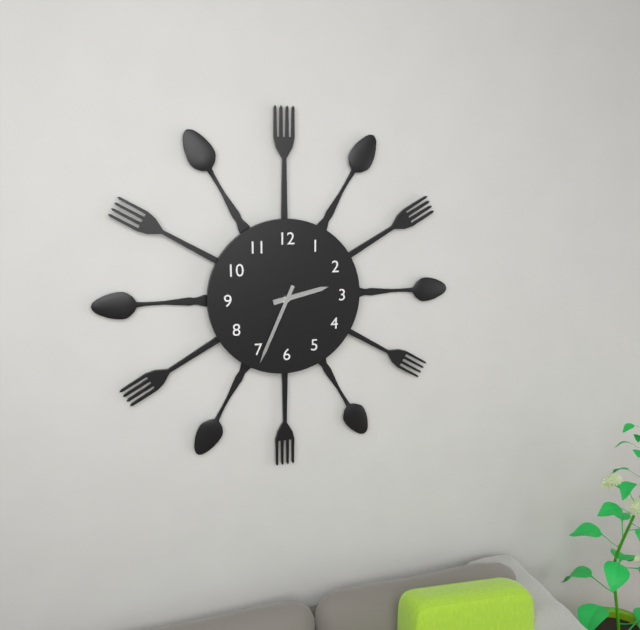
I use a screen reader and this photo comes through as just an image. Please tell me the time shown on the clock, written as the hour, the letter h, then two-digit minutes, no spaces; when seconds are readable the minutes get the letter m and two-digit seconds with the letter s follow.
2h34
